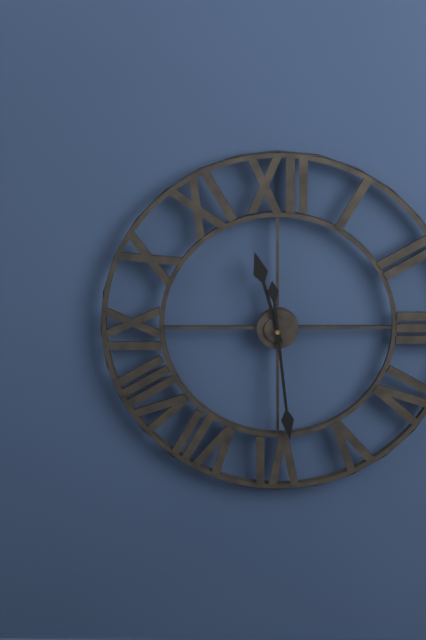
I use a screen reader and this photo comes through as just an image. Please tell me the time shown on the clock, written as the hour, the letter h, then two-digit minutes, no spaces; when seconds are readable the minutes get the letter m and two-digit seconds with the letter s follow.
11h29
